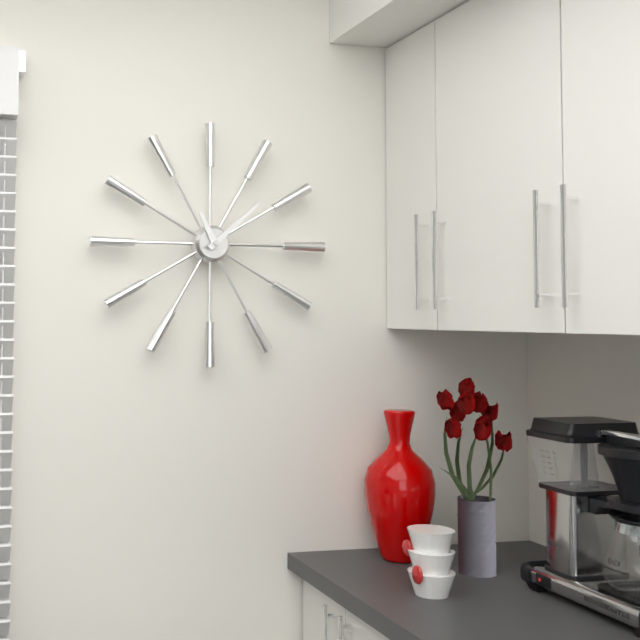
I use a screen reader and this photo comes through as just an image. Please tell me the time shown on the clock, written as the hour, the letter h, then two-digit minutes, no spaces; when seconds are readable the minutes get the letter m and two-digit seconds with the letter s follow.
11h08
